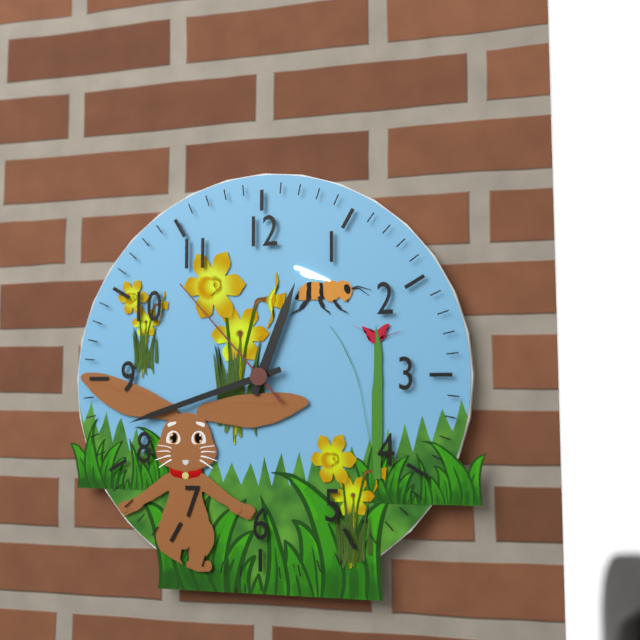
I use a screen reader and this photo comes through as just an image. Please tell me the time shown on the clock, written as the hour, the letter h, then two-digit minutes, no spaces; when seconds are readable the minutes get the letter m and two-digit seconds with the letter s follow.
12h42m53s
